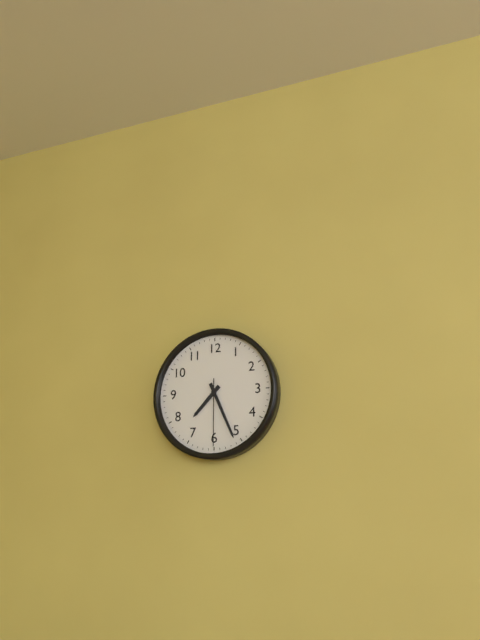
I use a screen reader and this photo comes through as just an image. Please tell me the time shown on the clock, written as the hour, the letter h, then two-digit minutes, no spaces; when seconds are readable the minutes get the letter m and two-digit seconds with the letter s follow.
7h26m30s
